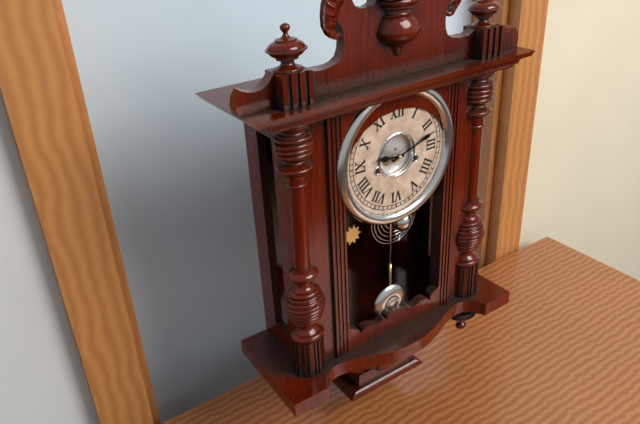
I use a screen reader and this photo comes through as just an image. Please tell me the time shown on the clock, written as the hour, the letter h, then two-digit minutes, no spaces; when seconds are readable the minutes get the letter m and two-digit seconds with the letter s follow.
9h12
